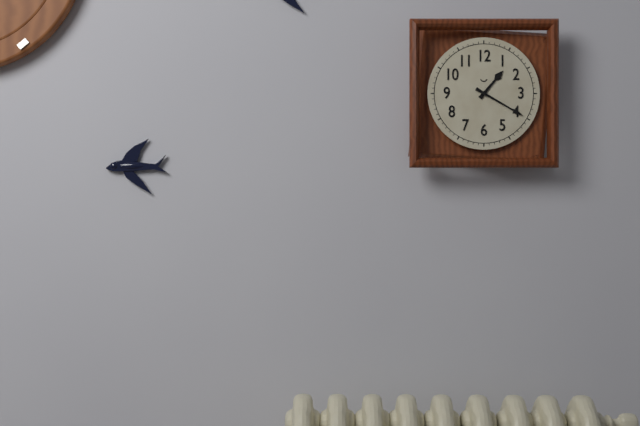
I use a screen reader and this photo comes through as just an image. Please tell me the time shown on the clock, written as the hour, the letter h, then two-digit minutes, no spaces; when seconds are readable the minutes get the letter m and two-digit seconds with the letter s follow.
1h20
